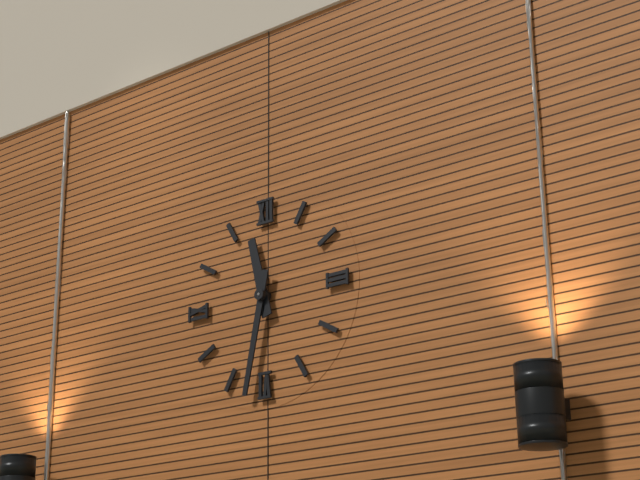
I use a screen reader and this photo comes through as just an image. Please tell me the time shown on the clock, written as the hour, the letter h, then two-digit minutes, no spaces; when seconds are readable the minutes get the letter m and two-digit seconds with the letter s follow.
11h32
